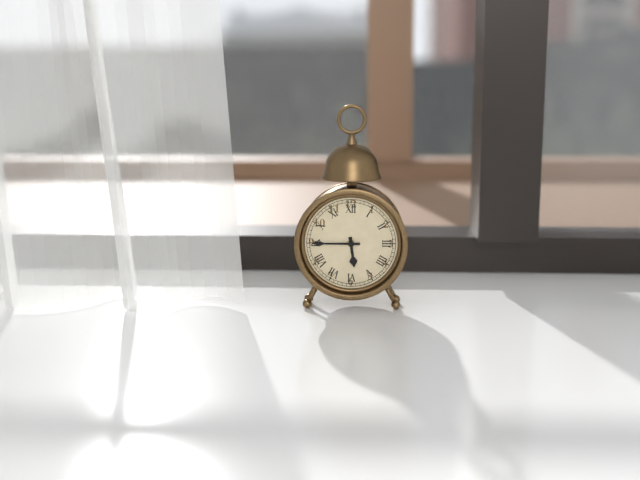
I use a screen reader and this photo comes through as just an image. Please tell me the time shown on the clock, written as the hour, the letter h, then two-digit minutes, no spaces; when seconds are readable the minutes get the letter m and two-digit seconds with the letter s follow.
5h45
